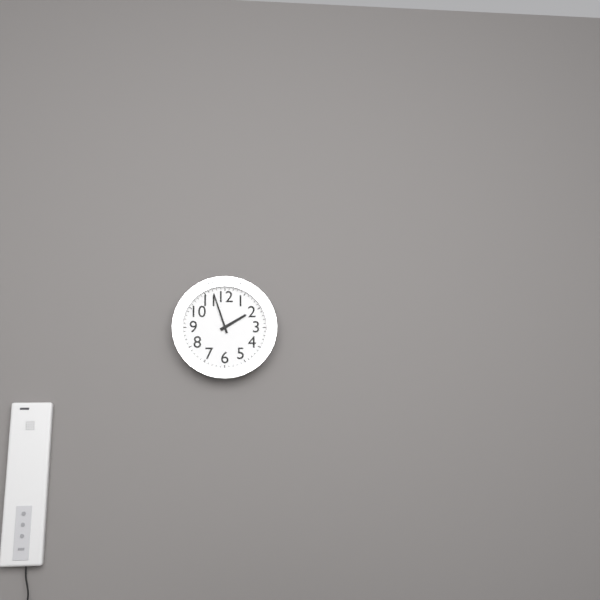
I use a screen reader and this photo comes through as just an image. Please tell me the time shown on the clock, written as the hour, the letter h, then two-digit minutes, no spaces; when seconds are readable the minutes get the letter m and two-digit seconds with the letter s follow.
1h57
